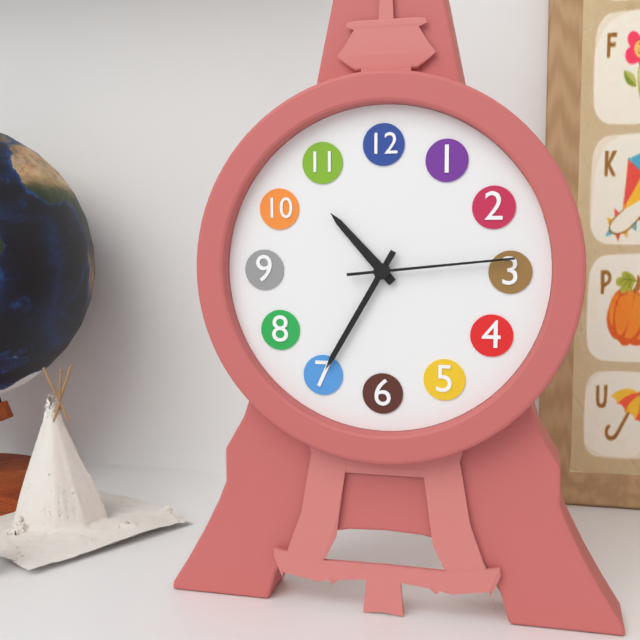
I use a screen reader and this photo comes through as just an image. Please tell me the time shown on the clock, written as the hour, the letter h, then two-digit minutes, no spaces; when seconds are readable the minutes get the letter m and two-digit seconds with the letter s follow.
10h35m14s
